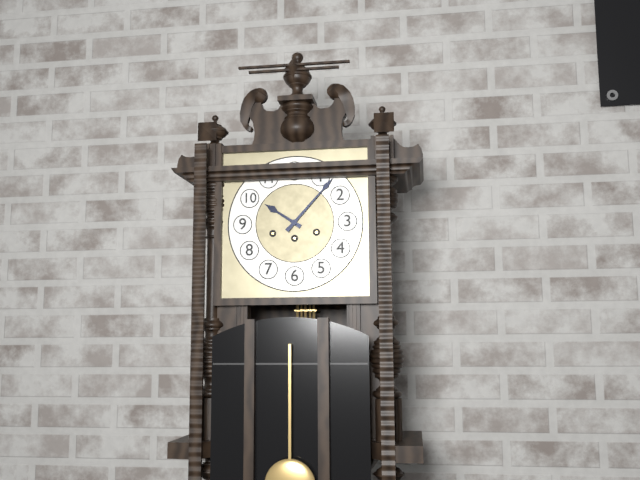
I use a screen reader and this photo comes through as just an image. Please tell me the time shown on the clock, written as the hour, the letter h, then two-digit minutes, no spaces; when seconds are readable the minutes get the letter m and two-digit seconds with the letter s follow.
10h07
